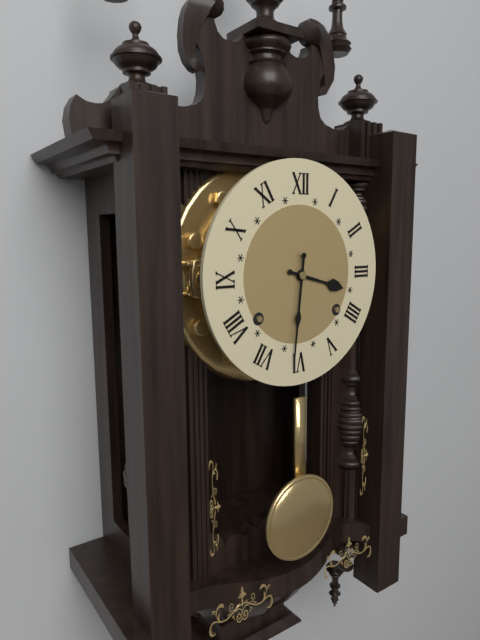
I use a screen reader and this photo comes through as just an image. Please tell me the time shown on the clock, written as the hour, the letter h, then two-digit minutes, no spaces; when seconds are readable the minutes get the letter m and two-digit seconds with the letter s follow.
3h31
